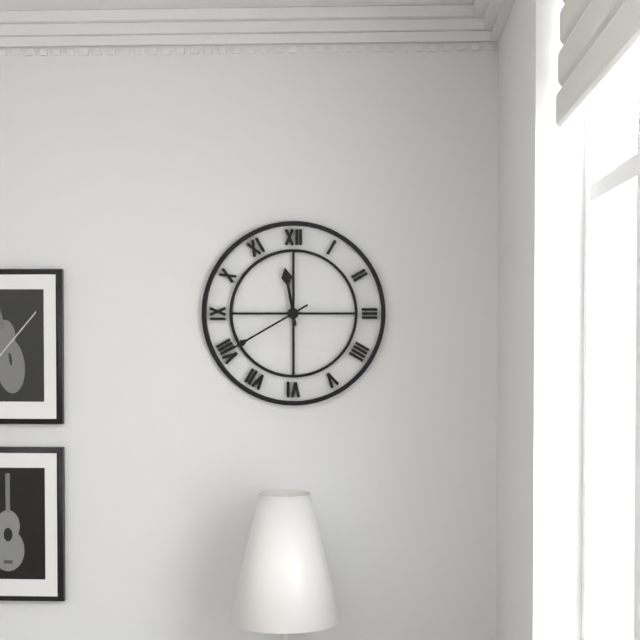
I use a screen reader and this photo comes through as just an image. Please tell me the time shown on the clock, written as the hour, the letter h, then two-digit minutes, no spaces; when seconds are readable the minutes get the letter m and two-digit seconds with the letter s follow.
11h40
